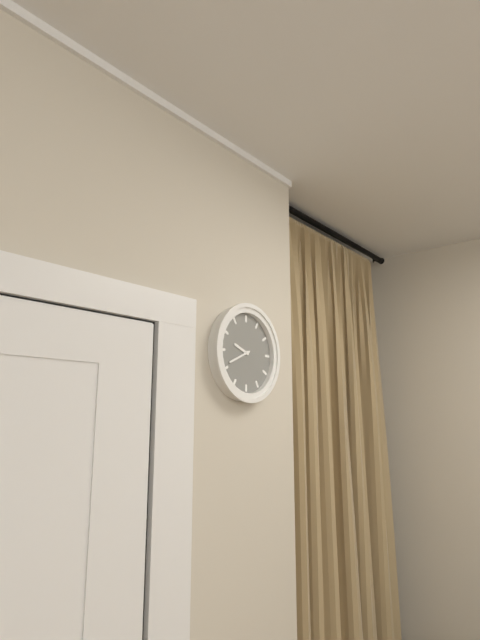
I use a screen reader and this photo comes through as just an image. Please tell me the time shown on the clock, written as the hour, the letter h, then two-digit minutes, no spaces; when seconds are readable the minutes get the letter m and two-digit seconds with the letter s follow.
9h41
